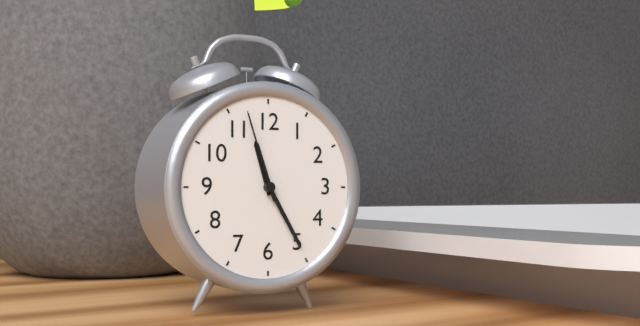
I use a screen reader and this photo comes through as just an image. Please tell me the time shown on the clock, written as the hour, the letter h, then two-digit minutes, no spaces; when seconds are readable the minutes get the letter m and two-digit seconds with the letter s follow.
11h25m57s
